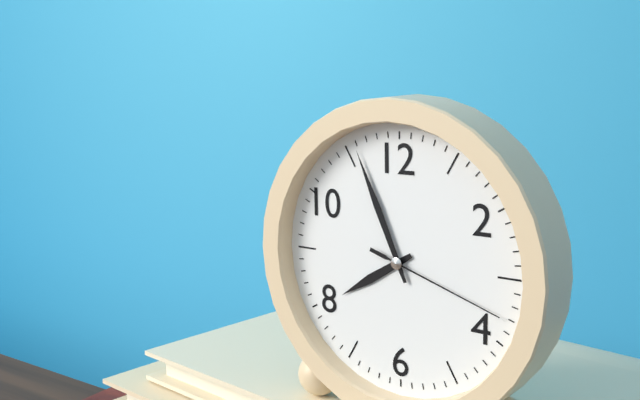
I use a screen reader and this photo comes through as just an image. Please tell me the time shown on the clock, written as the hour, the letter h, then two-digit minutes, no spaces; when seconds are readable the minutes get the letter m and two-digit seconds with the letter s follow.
7h56m18s
